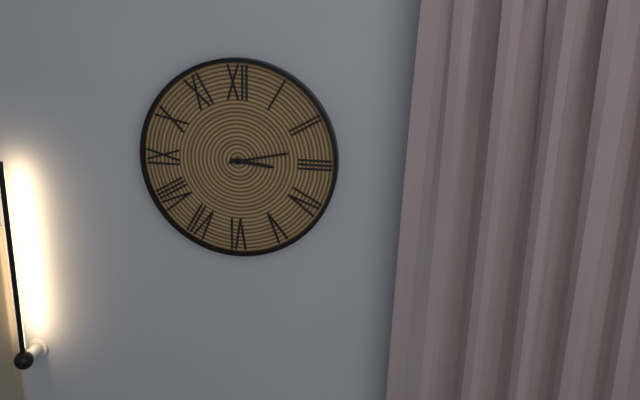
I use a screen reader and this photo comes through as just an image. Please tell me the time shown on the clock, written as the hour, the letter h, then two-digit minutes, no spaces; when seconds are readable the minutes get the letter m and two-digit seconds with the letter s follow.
3h13
